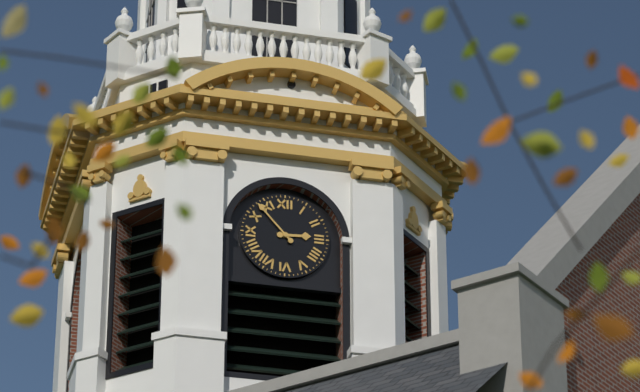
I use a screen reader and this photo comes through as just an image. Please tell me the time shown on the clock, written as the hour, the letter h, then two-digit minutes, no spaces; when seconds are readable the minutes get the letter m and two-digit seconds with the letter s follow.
2h53
